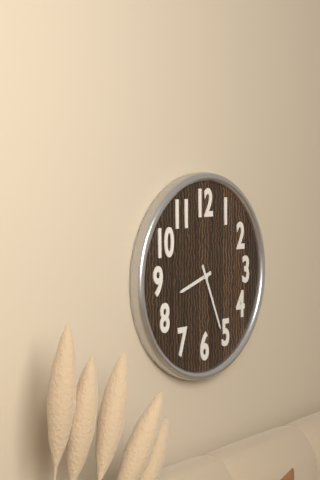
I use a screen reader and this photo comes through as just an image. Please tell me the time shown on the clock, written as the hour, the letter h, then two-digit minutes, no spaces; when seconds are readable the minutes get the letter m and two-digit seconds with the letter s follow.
8h26
